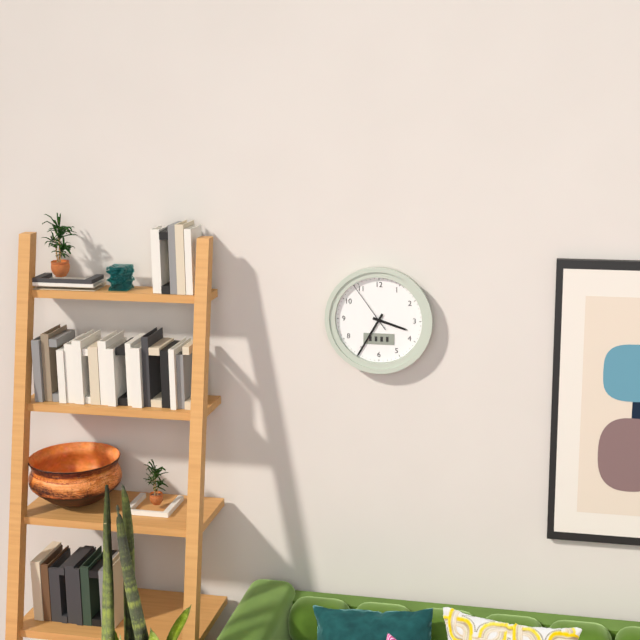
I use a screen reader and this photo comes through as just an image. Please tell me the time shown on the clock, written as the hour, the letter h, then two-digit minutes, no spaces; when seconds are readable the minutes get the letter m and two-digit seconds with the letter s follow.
3h35m54s
